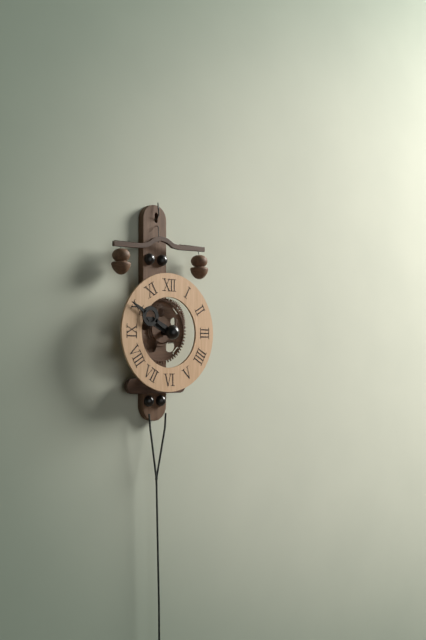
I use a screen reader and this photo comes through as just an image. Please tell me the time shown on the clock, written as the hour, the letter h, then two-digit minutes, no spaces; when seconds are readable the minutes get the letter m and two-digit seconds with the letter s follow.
9h50
